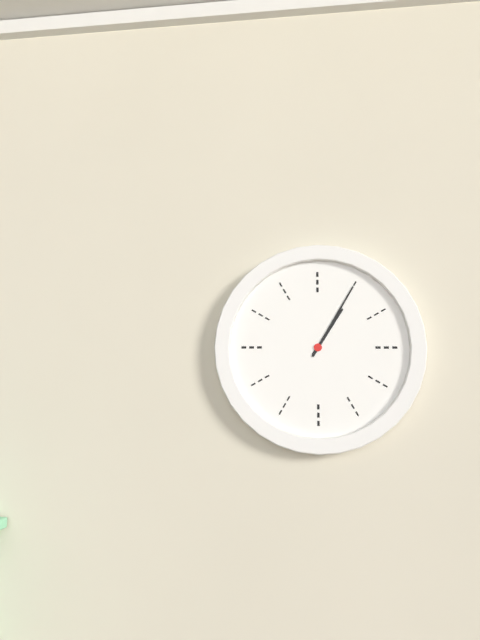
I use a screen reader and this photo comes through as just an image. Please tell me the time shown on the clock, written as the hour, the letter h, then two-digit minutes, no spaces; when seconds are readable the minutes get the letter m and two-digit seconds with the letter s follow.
1h05
